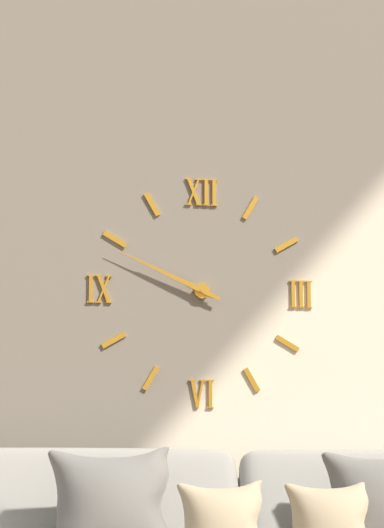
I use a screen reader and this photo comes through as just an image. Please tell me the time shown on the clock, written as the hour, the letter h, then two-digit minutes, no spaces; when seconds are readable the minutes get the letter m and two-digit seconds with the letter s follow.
9h49
